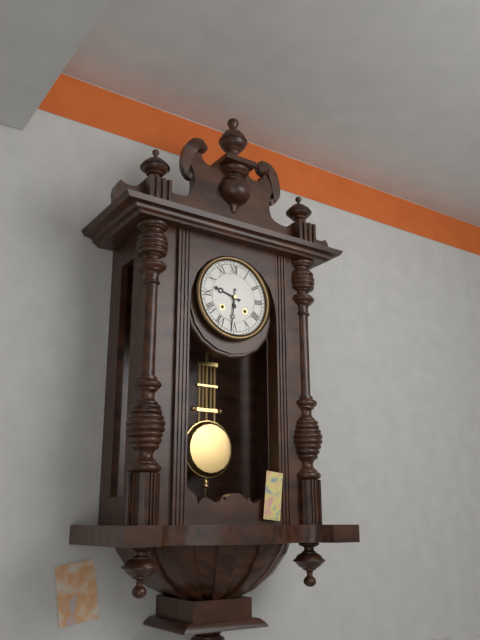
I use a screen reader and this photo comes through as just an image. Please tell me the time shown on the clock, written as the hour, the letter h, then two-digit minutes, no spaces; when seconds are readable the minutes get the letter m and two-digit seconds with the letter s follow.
9h31
